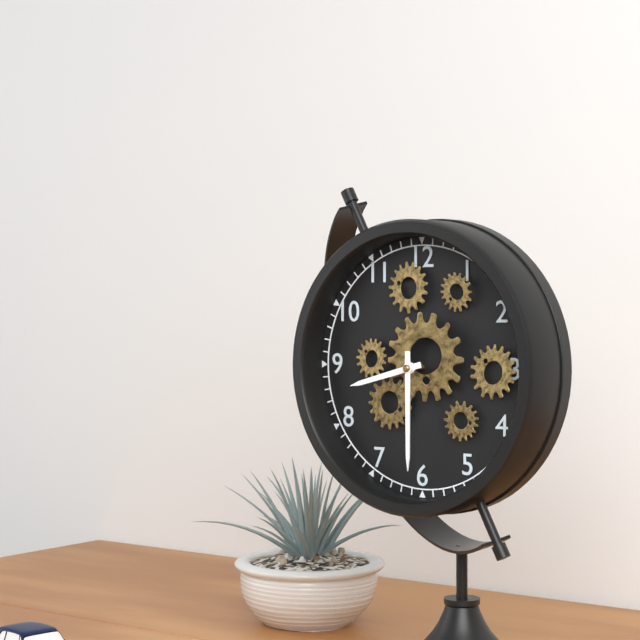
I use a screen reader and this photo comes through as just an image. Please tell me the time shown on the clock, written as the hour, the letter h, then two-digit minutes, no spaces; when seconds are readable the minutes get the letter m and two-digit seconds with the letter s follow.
8h30
